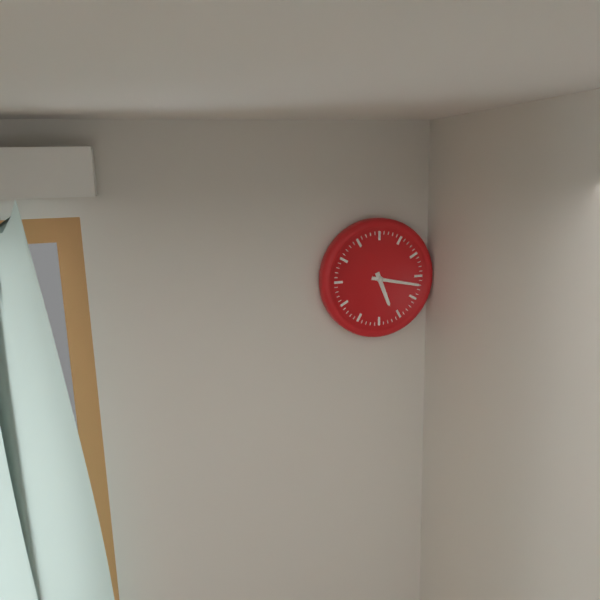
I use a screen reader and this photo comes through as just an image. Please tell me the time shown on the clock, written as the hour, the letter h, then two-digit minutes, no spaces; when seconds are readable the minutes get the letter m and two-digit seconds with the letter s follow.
5h17
